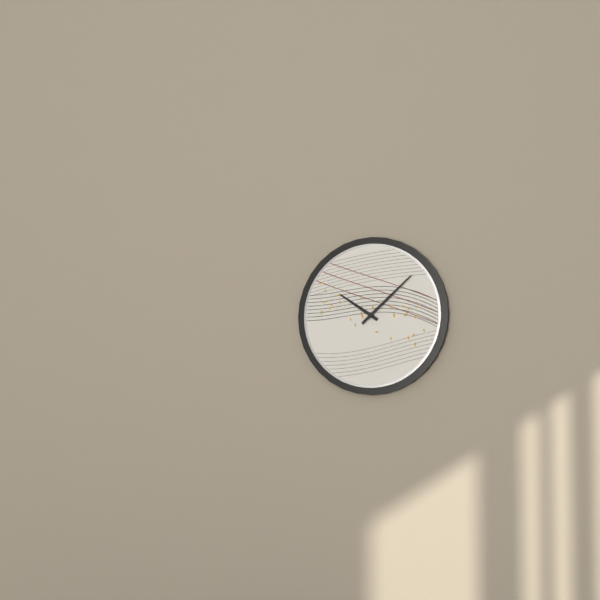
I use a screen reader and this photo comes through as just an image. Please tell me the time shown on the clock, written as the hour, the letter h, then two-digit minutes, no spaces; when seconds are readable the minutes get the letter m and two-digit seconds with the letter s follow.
10h08
